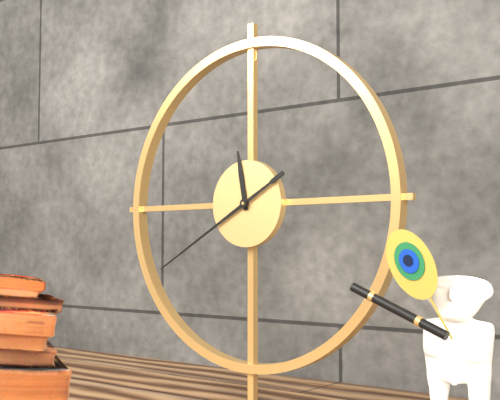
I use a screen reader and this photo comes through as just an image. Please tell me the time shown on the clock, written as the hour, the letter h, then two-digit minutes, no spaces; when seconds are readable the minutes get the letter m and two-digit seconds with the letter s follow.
11h40
